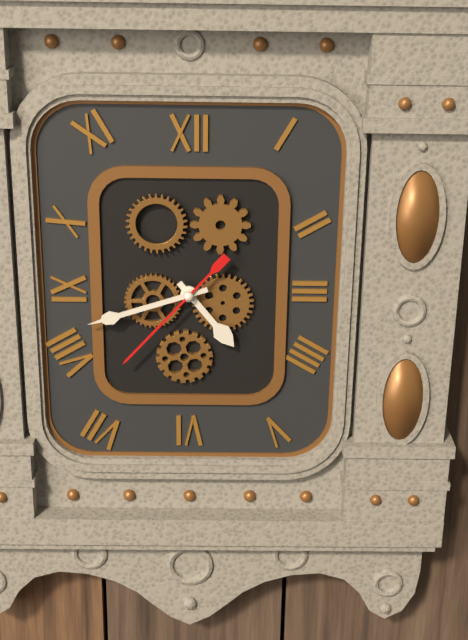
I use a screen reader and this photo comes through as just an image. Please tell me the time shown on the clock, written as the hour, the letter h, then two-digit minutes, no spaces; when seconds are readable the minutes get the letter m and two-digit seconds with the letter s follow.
4h42m37s
